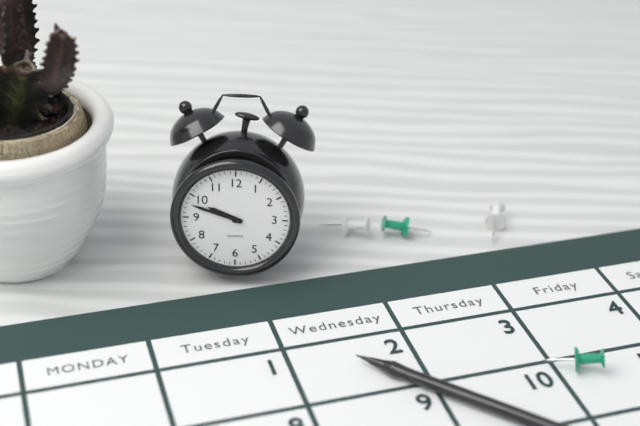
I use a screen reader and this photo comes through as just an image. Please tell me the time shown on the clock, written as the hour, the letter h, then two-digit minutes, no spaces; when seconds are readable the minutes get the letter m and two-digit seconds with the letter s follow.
9h48
